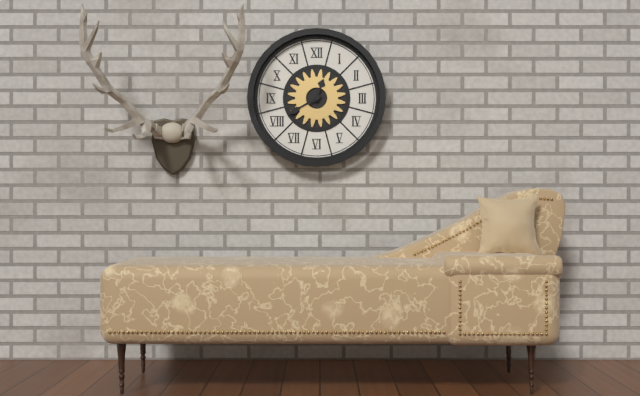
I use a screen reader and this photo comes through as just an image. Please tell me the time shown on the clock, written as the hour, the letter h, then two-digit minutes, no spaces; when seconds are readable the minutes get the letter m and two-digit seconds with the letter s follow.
12h40
